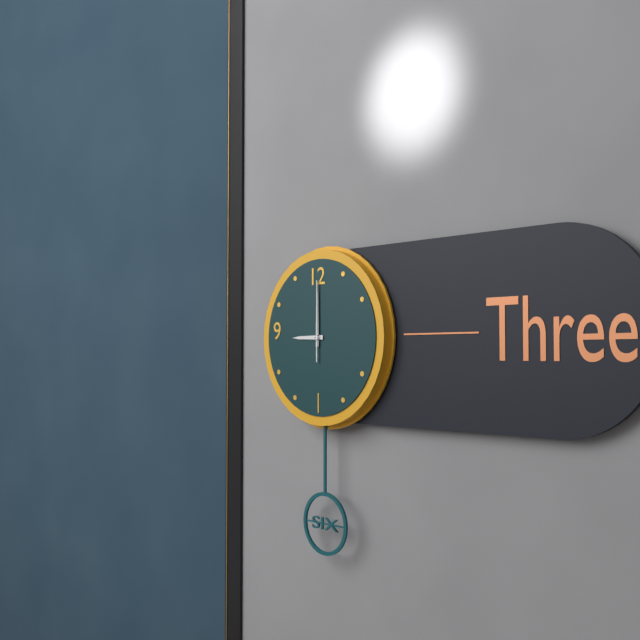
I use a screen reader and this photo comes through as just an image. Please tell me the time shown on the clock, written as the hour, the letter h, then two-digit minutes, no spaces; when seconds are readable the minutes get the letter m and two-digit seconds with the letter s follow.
9h00m00s
